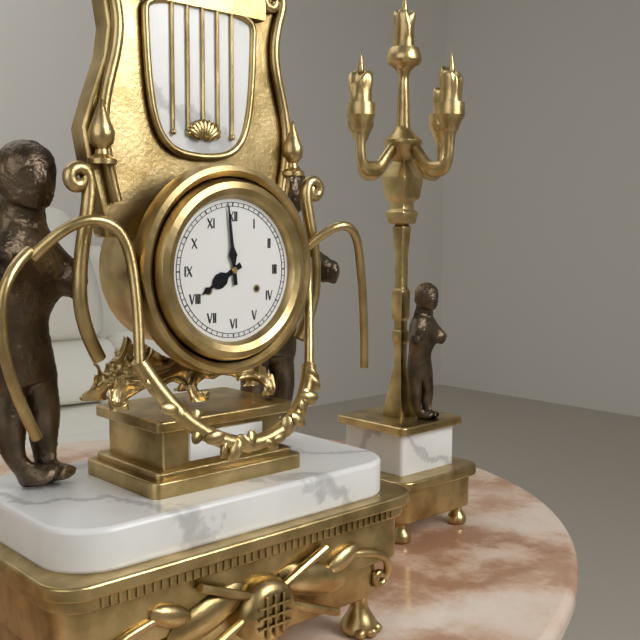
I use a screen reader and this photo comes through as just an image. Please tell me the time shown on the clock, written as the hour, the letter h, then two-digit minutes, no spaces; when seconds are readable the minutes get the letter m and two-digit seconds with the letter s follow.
7h59
